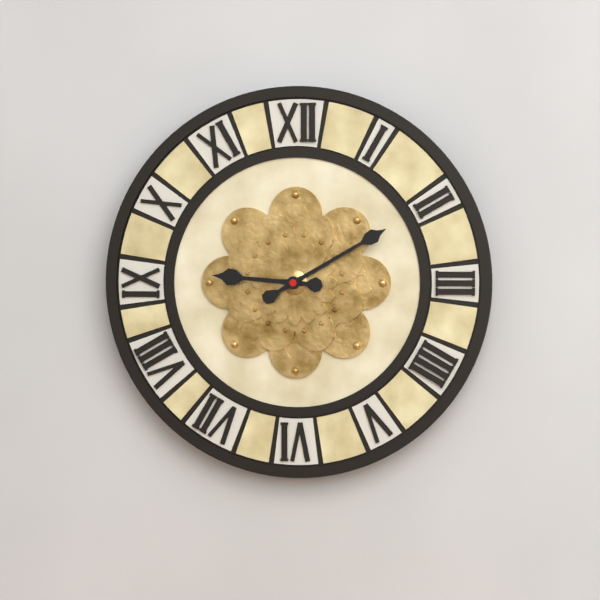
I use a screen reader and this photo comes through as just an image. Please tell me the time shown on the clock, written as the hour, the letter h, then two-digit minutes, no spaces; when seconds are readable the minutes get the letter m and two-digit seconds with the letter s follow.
9h10
